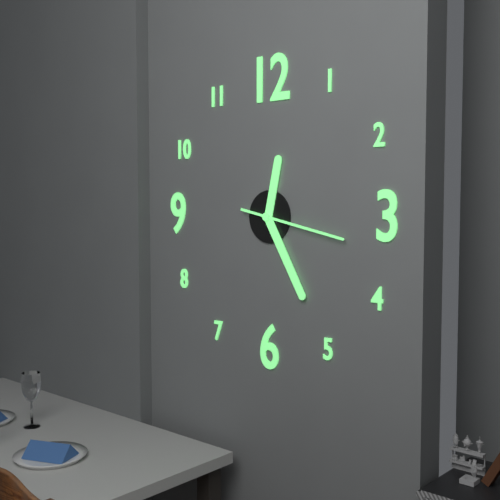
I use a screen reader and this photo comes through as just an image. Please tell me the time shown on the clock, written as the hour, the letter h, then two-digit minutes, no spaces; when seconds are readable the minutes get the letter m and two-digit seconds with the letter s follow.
12h25m17s
